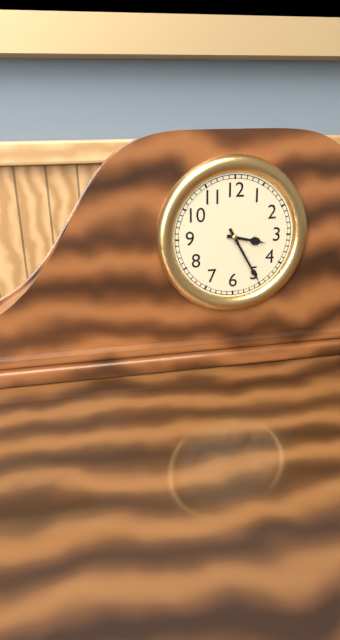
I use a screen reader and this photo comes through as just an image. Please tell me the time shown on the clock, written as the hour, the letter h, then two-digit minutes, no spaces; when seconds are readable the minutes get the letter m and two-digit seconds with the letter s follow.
3h25
